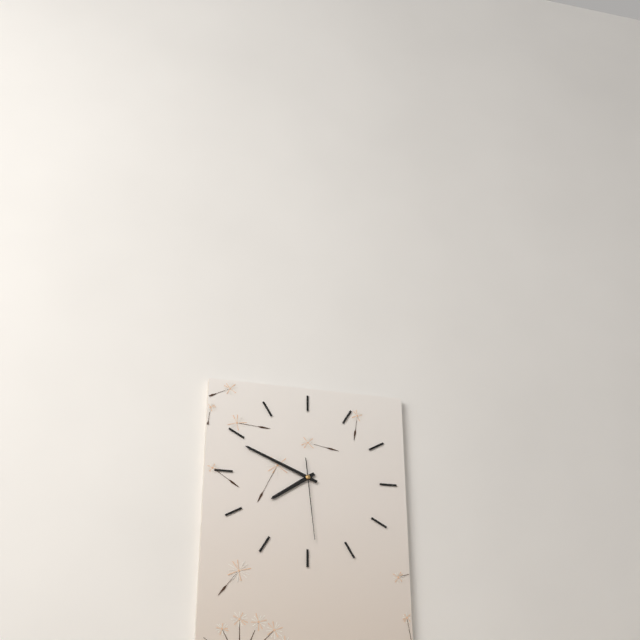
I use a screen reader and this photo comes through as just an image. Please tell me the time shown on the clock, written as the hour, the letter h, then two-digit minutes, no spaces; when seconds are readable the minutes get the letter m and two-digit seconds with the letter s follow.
7h49m29s
